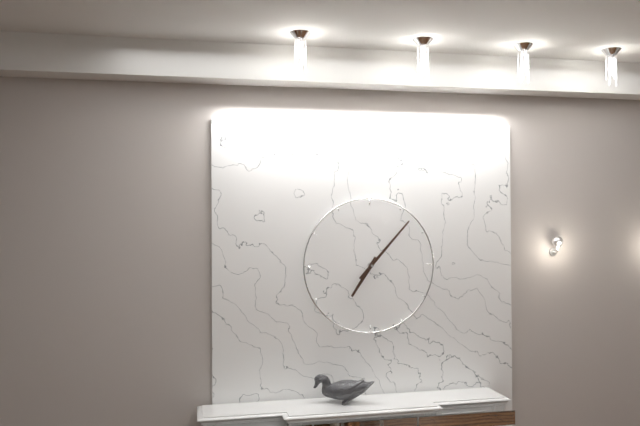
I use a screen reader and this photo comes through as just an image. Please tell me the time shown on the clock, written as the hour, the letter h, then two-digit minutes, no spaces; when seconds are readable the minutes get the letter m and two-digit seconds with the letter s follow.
7h07
